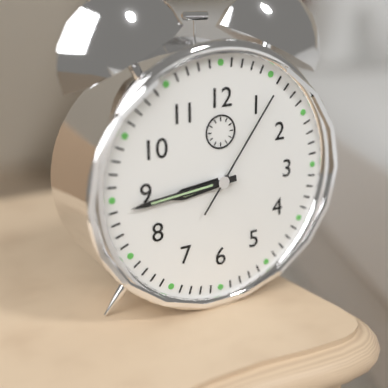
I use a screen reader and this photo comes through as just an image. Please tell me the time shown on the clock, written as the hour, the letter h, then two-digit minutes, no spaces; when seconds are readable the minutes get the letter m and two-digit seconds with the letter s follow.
8h44m06s
